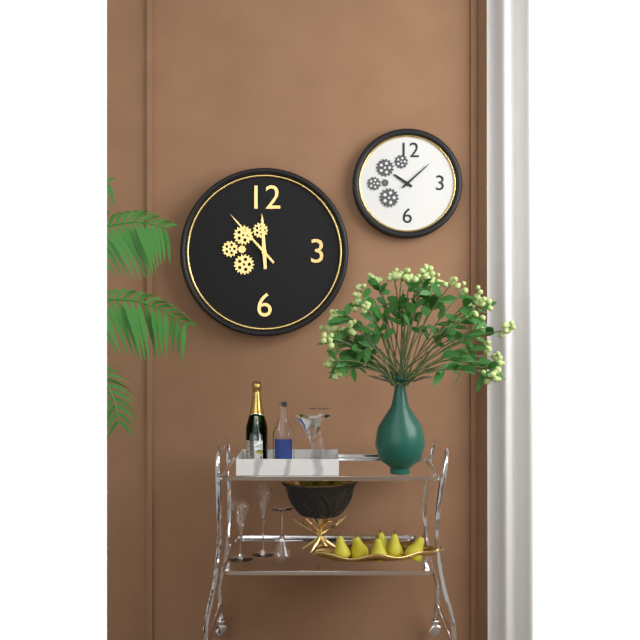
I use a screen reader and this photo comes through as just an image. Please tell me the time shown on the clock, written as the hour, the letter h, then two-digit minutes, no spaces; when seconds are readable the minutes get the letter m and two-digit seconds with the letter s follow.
11h53
